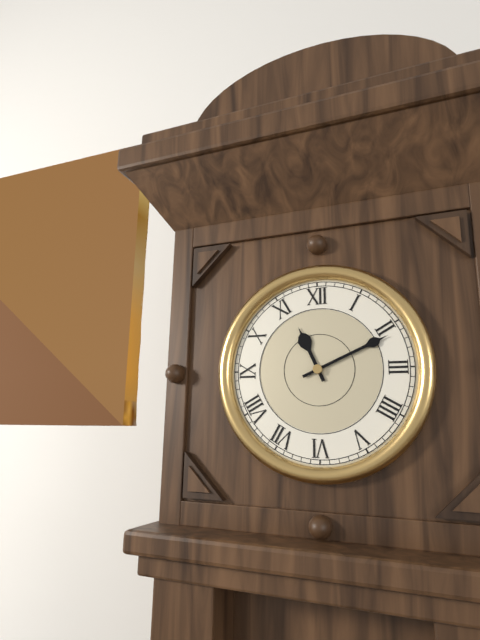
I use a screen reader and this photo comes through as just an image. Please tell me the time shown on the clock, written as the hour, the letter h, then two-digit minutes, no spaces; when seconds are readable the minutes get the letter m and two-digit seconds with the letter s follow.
11h11
